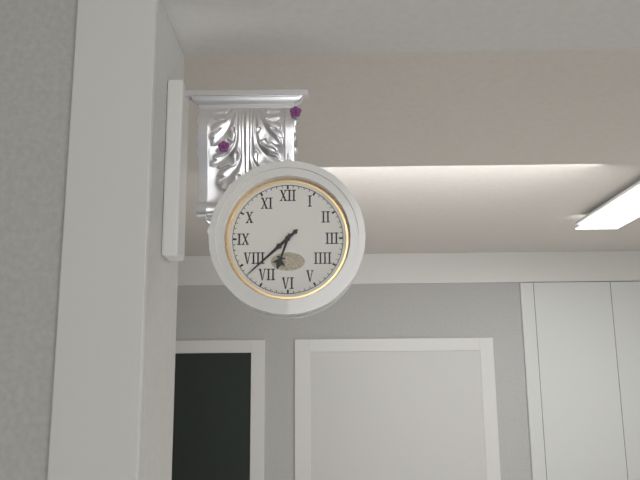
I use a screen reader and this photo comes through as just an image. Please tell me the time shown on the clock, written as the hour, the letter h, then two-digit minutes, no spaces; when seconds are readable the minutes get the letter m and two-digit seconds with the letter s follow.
6h38
